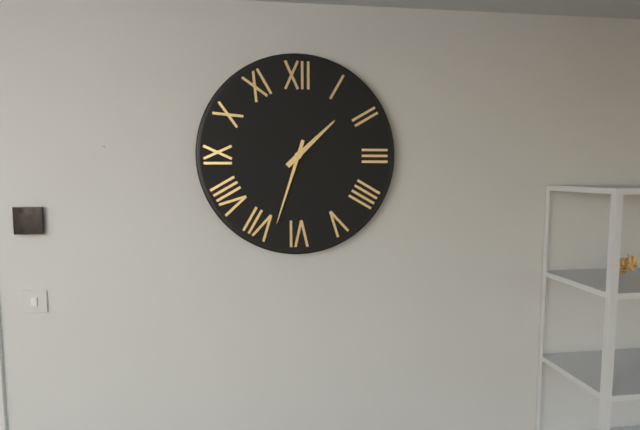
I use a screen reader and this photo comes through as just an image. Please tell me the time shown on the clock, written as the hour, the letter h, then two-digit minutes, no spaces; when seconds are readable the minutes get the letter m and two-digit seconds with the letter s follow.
1h33
